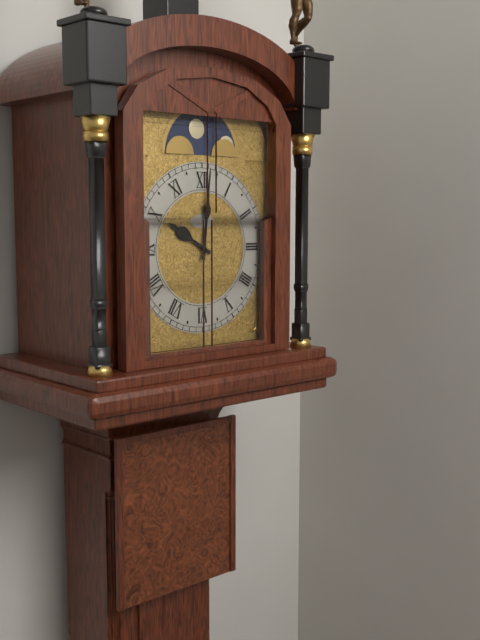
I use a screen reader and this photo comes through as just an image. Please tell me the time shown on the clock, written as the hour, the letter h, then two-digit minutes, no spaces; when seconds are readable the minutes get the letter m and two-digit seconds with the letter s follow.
10h01
